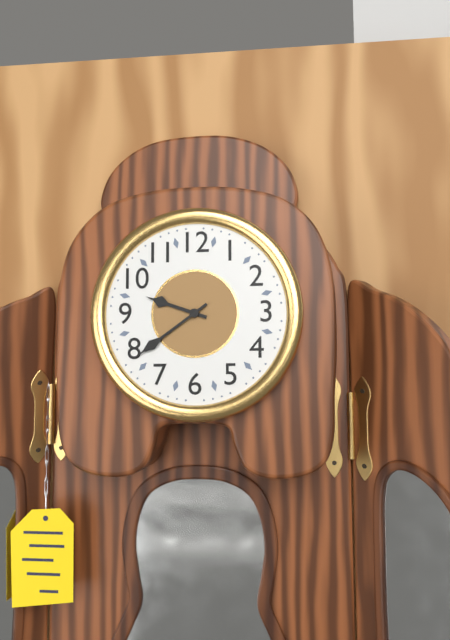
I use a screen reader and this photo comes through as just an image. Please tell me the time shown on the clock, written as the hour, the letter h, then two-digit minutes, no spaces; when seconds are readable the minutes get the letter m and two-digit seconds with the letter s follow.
9h39
